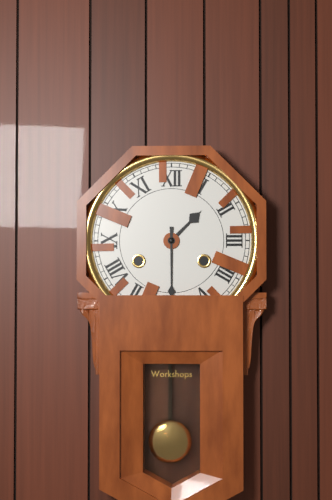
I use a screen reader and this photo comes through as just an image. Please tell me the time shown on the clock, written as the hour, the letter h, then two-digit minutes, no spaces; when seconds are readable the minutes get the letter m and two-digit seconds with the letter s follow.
1h30
